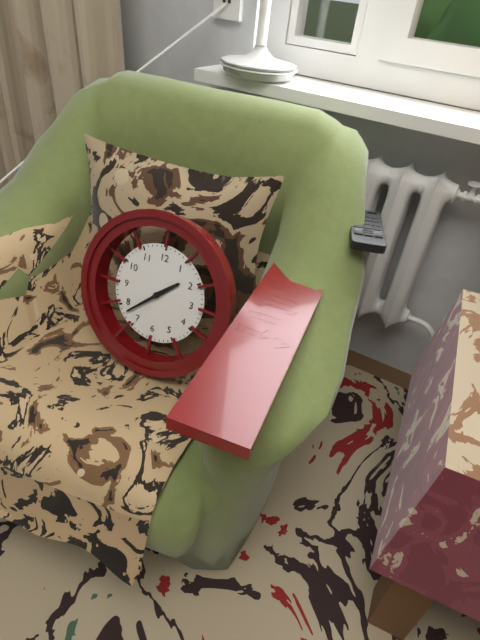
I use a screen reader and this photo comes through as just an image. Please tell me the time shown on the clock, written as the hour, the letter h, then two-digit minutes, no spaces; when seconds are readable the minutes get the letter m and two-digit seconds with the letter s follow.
1h38
